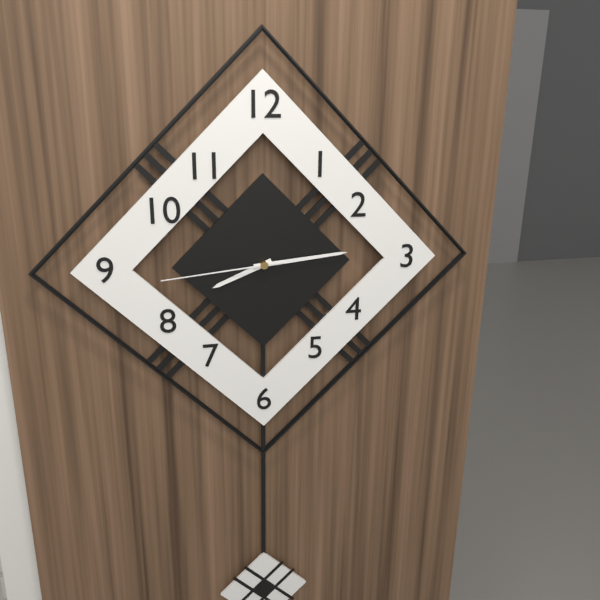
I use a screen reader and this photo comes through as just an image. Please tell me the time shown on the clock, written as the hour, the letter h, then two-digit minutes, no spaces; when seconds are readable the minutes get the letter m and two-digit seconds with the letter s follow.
8h14m44s
